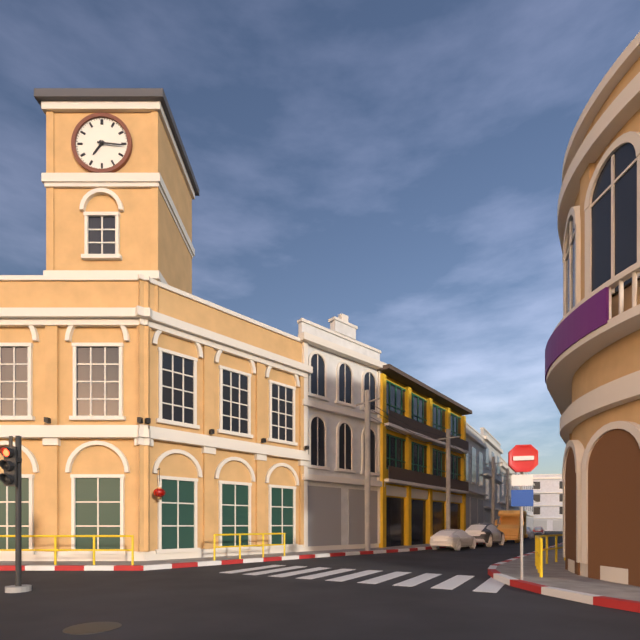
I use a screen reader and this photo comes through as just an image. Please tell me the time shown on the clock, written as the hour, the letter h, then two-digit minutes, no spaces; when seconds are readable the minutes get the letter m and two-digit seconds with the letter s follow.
7h16
